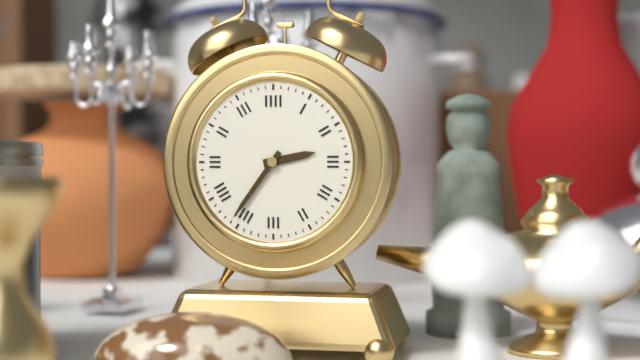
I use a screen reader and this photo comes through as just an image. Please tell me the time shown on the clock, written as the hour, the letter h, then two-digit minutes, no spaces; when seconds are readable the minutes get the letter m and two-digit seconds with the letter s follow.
2h36
